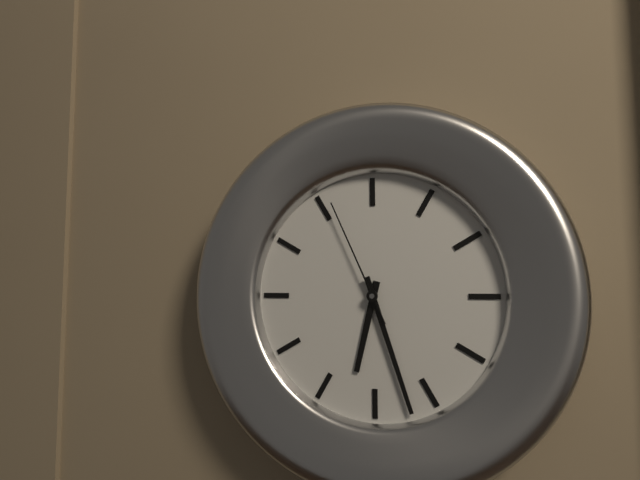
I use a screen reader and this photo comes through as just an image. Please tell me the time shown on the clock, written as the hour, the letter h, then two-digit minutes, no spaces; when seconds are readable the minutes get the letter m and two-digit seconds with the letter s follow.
6h27m56s
